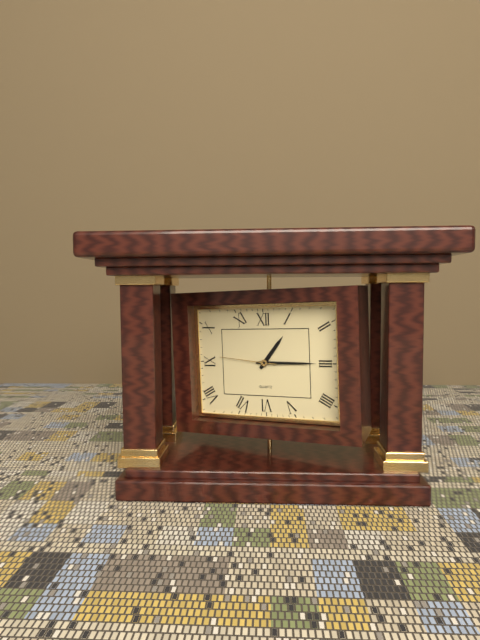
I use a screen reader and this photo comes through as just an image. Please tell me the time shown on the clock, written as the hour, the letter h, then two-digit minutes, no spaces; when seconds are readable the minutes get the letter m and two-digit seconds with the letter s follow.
1h15m46s
